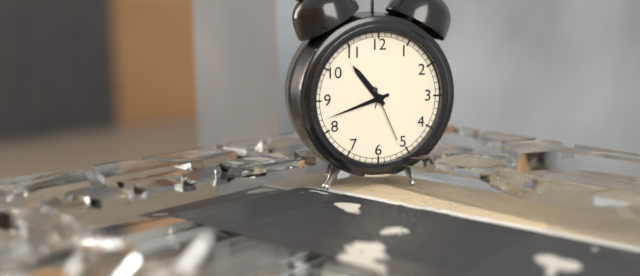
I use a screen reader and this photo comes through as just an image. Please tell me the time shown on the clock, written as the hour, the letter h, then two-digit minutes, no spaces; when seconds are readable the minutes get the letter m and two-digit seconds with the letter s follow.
10h42m26s
